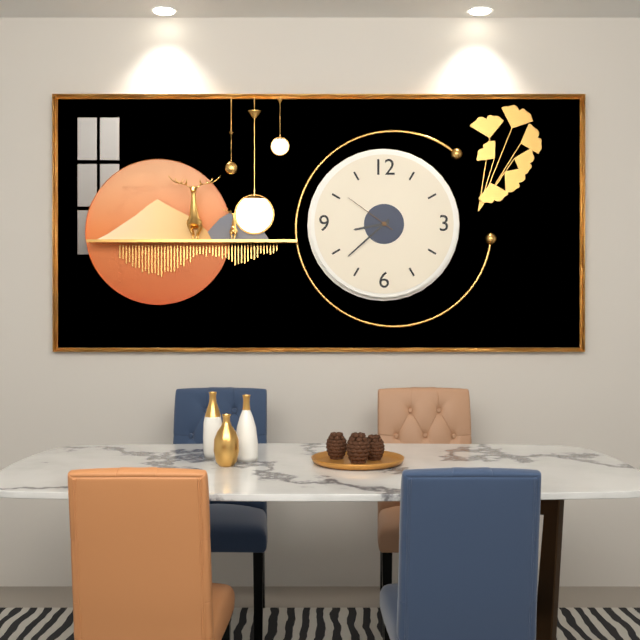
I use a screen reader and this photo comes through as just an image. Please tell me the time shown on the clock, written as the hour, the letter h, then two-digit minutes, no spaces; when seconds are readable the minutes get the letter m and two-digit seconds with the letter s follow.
8h38m51s
